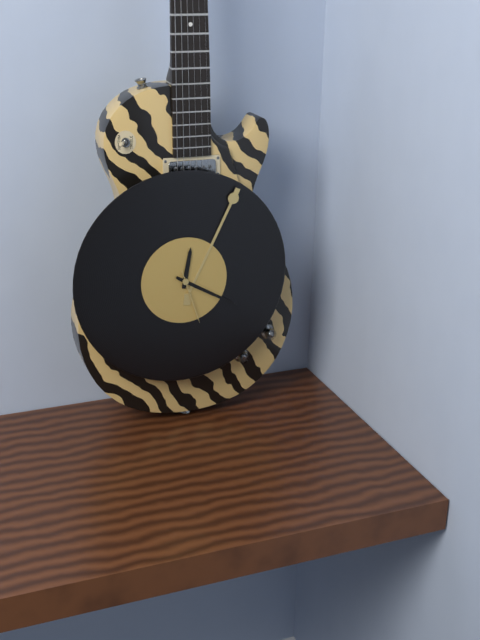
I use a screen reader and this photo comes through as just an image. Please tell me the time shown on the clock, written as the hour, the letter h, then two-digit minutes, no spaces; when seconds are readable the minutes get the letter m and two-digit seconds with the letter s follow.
12h20m27s
